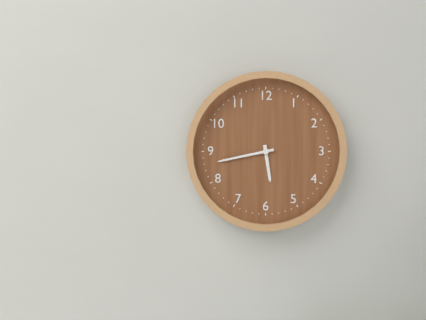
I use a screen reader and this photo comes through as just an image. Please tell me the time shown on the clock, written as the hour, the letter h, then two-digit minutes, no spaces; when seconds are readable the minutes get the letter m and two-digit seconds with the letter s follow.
5h43
